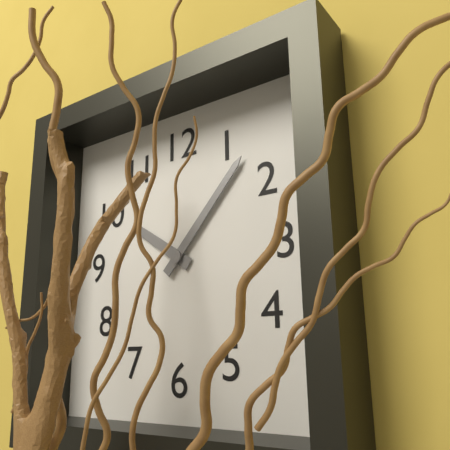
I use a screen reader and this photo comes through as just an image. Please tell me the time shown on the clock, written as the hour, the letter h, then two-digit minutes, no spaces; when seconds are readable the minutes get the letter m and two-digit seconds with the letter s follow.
10h07
